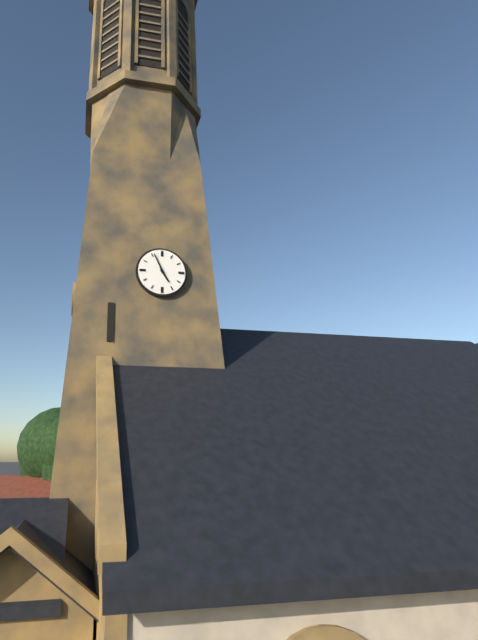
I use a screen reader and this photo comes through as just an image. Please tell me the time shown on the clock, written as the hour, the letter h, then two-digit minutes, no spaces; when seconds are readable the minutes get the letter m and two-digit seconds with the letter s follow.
4h56
